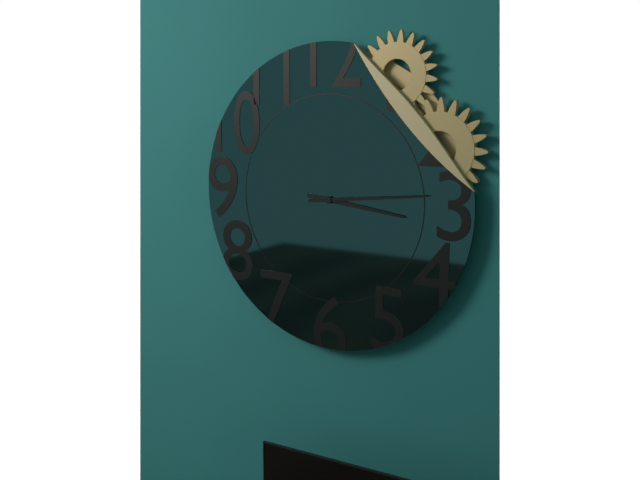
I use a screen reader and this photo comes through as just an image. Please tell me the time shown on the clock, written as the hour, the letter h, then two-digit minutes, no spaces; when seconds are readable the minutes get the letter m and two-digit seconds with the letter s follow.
3h14
